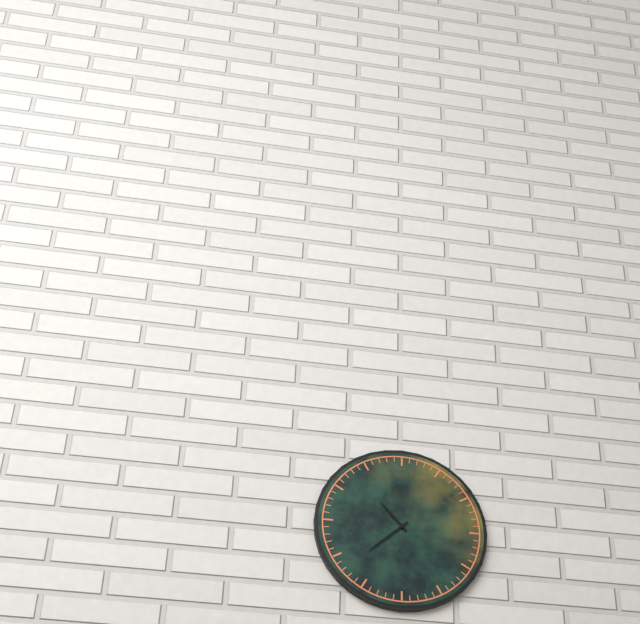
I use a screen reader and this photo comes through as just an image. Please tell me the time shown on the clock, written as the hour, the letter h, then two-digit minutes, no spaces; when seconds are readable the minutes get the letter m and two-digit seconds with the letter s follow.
10h38
